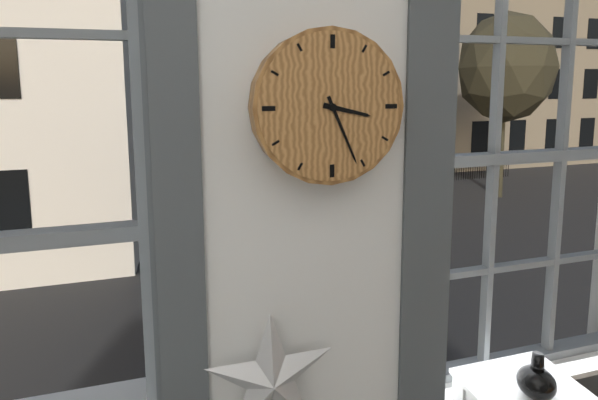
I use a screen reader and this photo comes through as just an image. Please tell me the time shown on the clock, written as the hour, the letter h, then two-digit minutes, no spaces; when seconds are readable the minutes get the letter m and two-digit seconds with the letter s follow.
3h26
